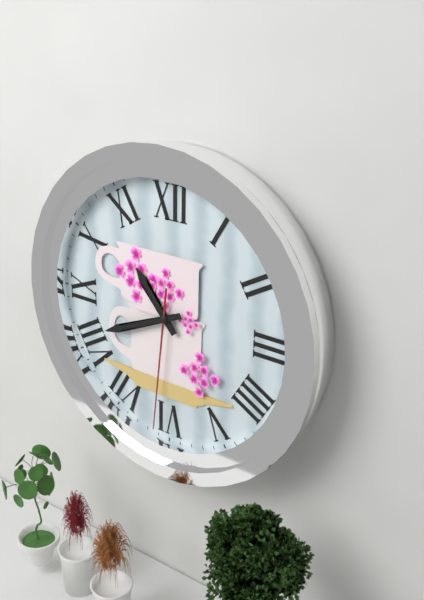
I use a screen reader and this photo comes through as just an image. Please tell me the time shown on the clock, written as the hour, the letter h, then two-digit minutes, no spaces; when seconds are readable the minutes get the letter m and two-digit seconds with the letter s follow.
10h41m31s
